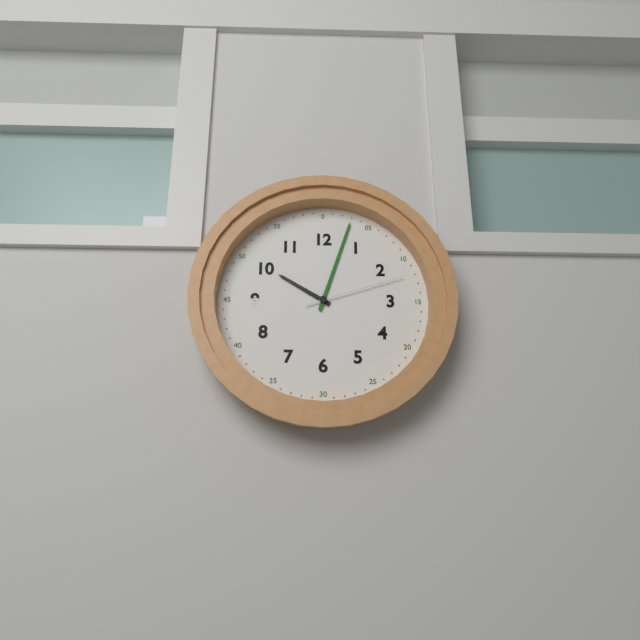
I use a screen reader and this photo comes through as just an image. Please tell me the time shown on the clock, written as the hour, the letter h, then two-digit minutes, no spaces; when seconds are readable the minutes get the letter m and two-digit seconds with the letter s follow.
10h03m12s
